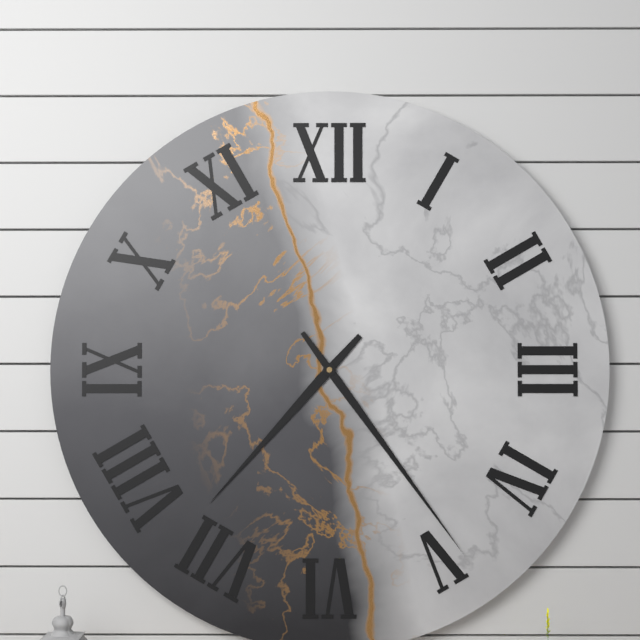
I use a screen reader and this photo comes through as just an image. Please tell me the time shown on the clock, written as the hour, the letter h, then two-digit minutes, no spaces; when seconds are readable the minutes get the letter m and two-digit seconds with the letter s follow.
7h24
